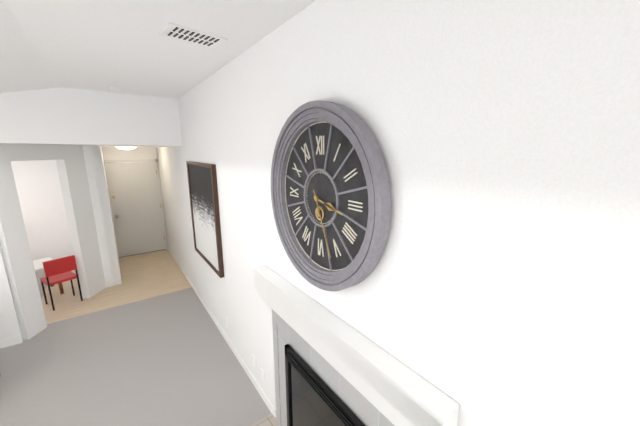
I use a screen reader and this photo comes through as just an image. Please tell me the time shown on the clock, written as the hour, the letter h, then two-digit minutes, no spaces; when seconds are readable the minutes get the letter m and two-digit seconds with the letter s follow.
3h26
